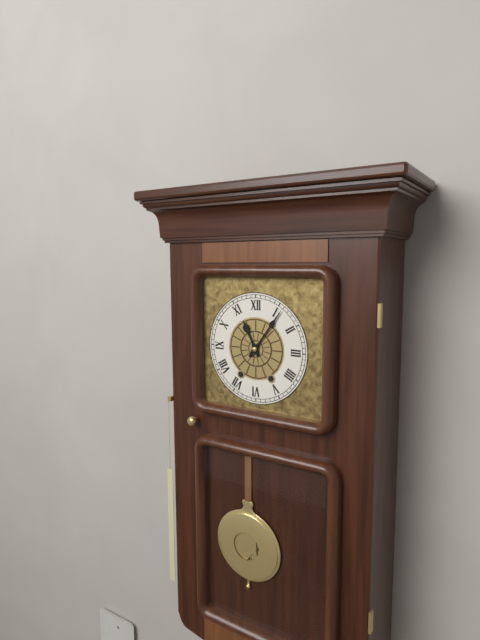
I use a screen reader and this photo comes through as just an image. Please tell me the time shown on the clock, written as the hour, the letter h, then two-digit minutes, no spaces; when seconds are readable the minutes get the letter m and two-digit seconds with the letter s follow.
11h06
